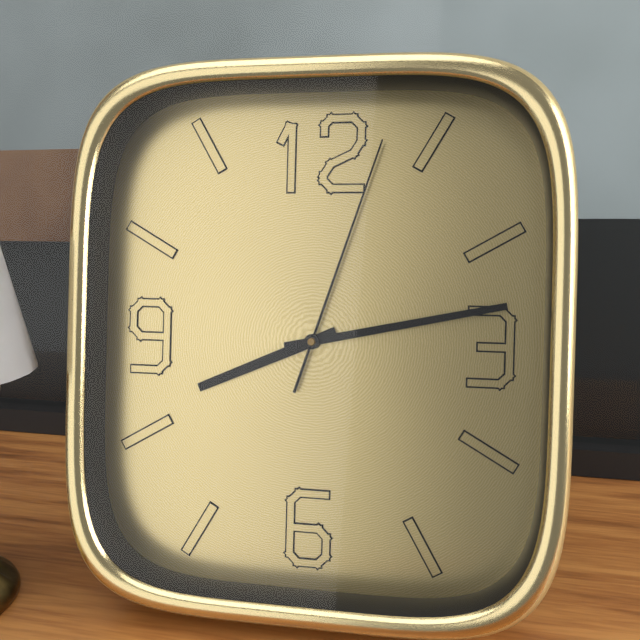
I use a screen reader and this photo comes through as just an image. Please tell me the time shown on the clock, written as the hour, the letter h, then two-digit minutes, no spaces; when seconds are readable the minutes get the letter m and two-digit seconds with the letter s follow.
8h13m03s
